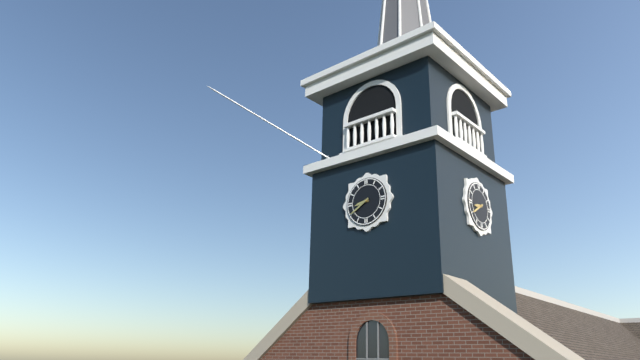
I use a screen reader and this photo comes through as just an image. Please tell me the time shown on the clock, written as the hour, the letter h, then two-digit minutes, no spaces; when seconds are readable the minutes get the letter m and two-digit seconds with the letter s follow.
8h40
